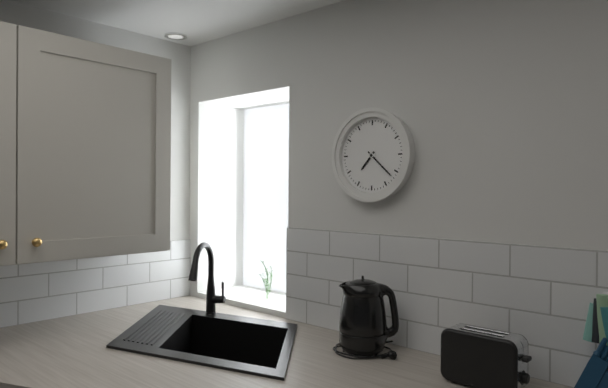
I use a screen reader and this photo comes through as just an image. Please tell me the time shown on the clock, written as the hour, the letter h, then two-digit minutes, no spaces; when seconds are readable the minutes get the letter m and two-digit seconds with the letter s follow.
7h22
